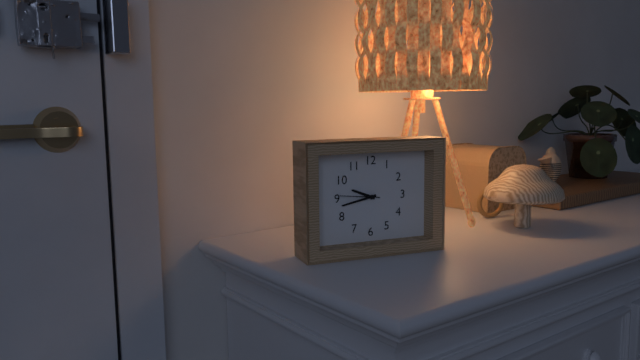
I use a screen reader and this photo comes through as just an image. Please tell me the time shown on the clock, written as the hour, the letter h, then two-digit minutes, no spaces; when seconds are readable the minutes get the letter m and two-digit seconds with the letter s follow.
9h43
